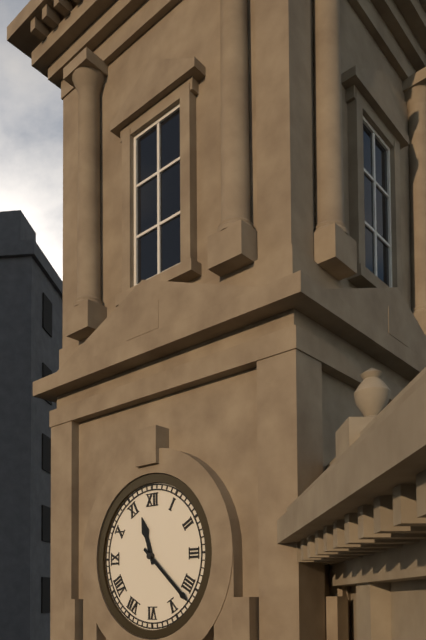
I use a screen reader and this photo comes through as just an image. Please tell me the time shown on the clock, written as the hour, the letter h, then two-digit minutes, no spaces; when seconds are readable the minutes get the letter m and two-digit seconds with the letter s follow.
11h22
